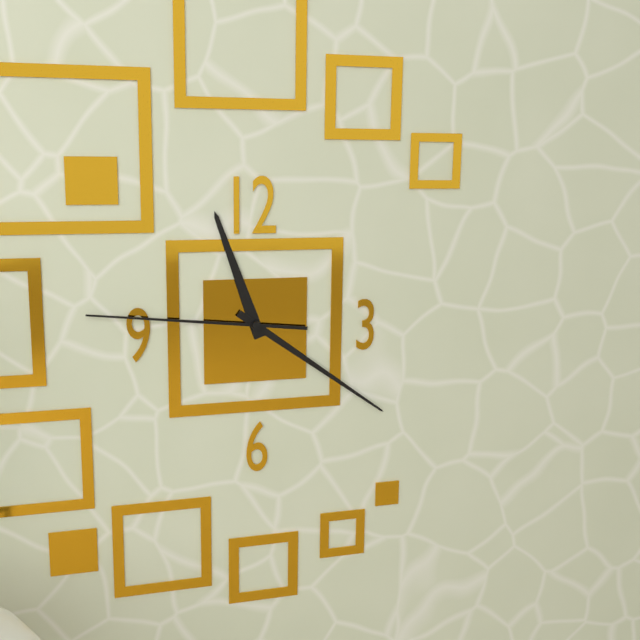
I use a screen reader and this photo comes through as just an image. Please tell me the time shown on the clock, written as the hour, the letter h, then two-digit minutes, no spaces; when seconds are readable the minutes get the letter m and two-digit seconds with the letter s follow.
11h21m46s
